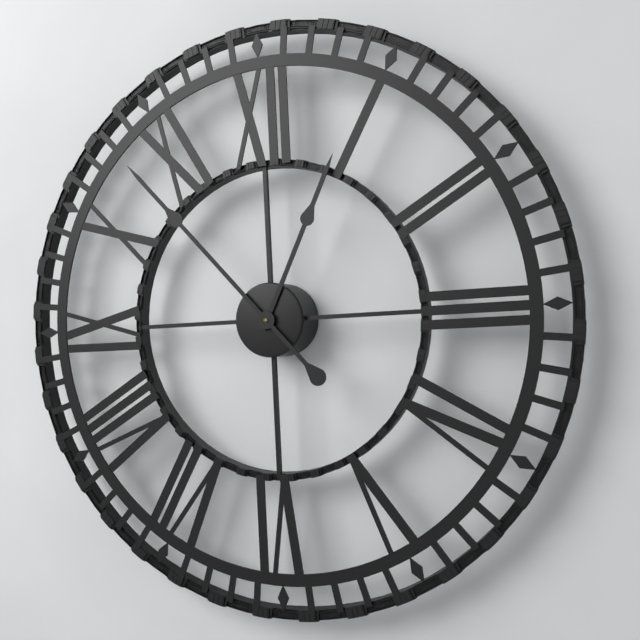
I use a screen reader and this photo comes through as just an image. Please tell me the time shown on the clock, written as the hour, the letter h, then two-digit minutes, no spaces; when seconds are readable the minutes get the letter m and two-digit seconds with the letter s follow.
12h53
